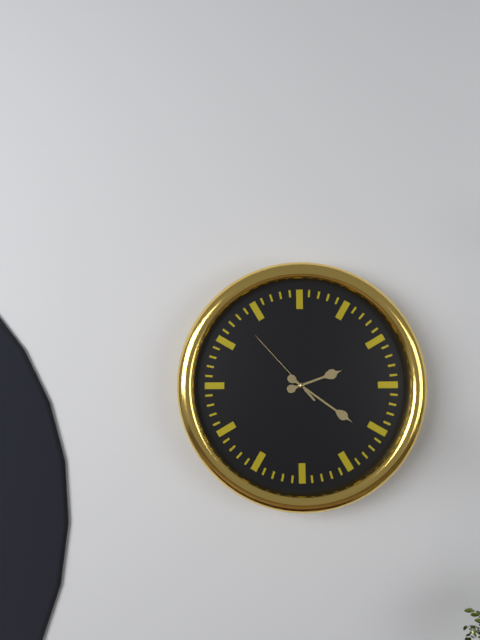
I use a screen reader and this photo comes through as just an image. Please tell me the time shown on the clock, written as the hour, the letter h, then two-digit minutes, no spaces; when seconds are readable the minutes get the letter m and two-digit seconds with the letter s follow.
2h21m53s
